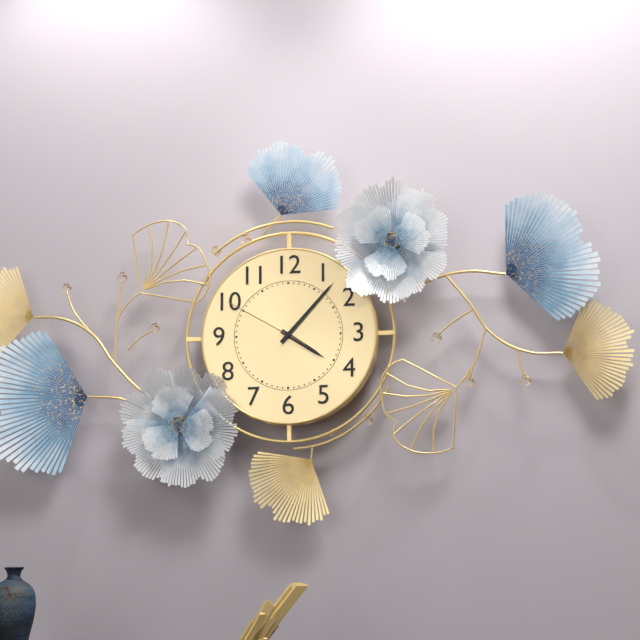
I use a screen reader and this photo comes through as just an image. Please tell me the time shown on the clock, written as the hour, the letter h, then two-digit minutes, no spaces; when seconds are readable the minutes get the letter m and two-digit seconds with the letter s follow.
4h07m50s
